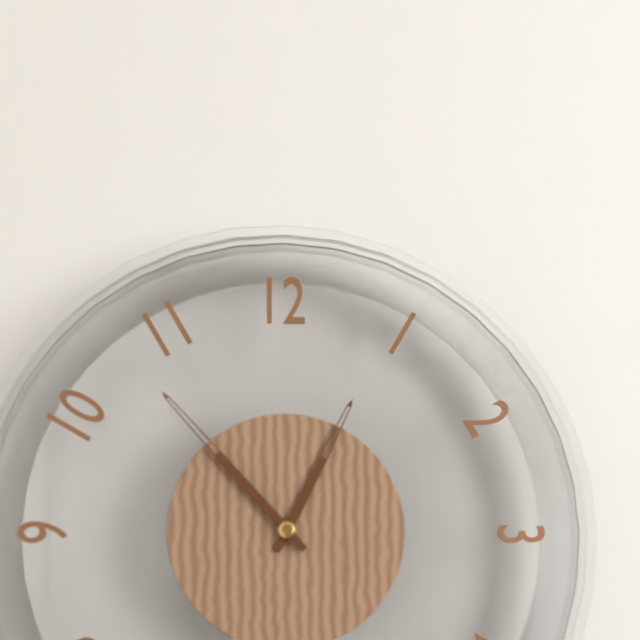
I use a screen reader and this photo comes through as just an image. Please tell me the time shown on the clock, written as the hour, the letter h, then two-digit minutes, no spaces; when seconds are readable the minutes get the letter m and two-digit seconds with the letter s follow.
12h53
